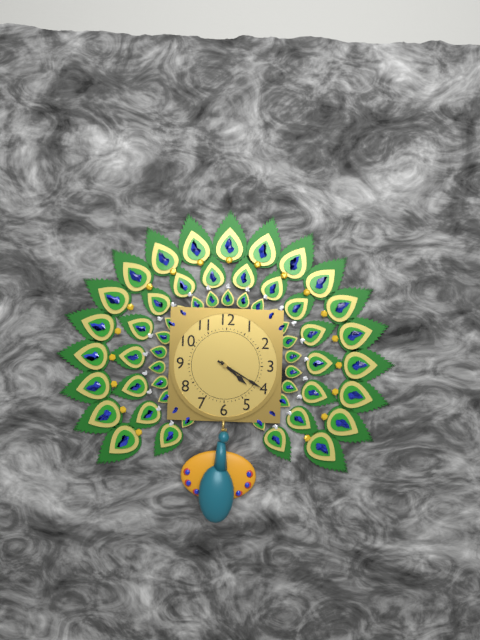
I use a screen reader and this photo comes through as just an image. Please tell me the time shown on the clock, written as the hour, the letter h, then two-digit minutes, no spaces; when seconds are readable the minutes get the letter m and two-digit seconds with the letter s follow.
4h20
